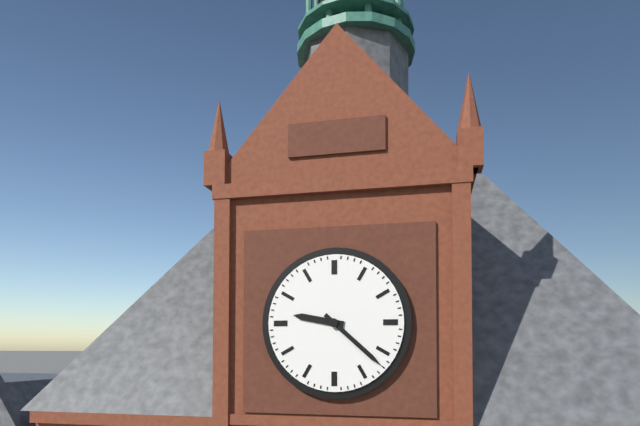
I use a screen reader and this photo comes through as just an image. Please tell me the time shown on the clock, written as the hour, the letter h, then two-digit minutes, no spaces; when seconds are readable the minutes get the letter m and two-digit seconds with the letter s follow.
9h22
